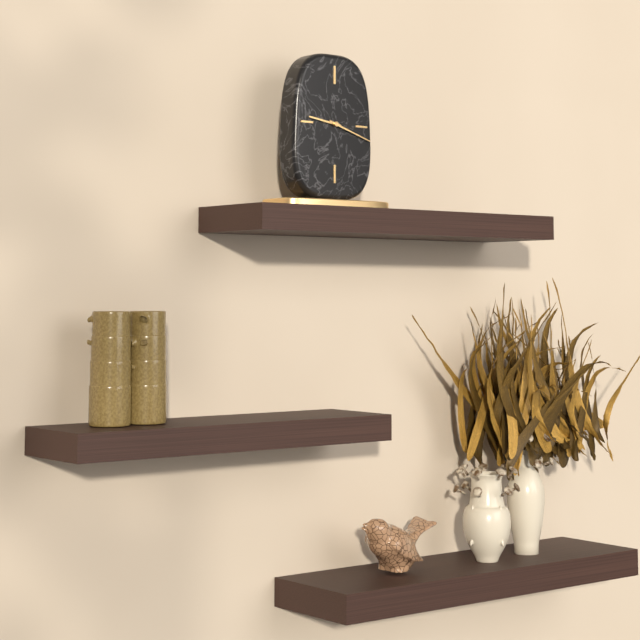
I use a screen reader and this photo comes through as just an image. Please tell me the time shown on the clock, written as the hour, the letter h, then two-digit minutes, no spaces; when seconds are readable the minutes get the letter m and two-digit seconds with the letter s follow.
9h18
